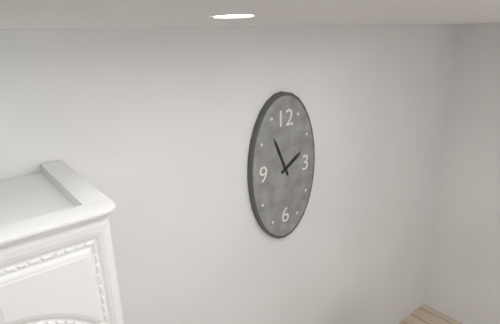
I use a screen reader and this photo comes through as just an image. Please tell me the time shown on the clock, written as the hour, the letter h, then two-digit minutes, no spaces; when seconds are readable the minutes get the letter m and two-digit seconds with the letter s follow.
1h56
